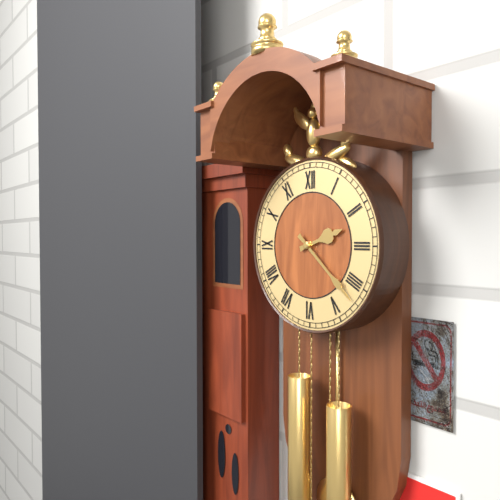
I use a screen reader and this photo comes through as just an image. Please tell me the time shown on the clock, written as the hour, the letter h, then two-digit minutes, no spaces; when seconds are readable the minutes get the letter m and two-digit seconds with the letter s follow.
2h22
